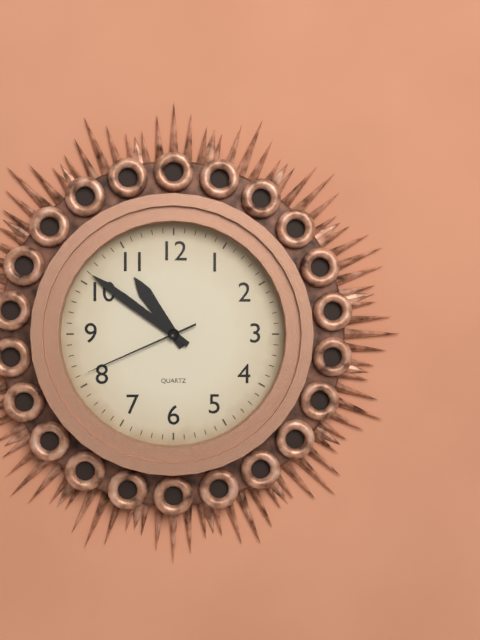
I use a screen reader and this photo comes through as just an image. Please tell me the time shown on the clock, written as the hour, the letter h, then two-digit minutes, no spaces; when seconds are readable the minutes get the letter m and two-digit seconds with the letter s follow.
10h51m41s
